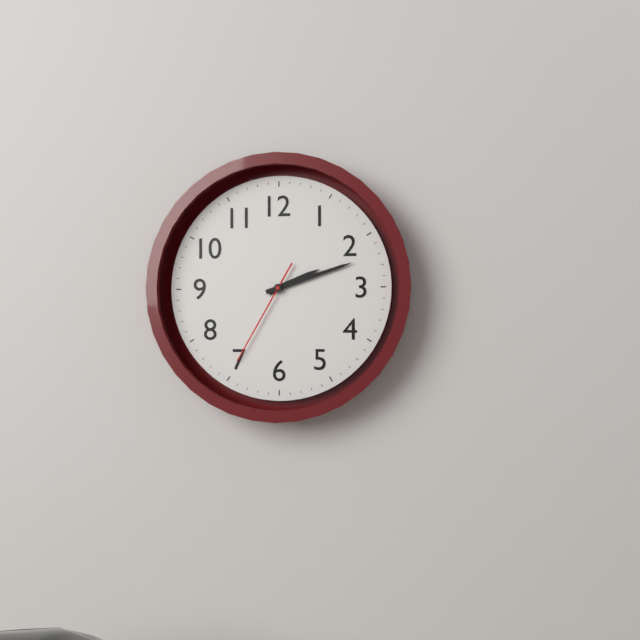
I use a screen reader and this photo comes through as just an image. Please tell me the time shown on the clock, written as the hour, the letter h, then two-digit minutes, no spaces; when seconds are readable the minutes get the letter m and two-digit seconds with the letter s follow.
2h12m35s
